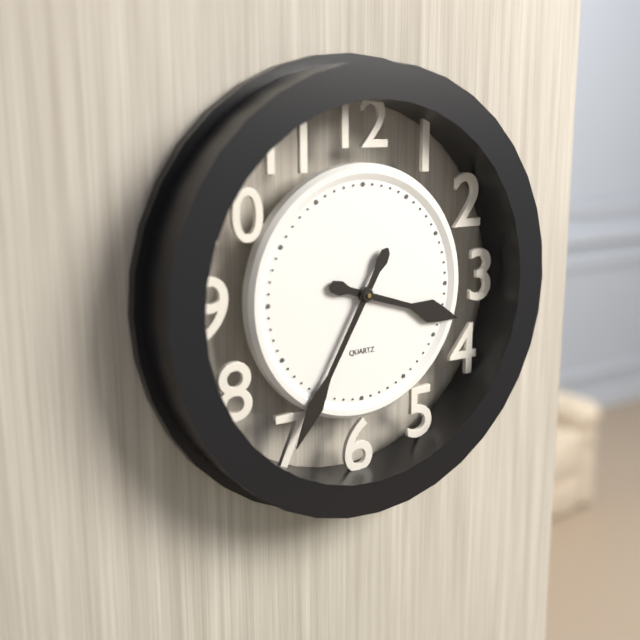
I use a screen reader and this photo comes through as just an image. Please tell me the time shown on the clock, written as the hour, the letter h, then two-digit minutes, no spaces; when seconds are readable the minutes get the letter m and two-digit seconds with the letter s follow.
3h35
